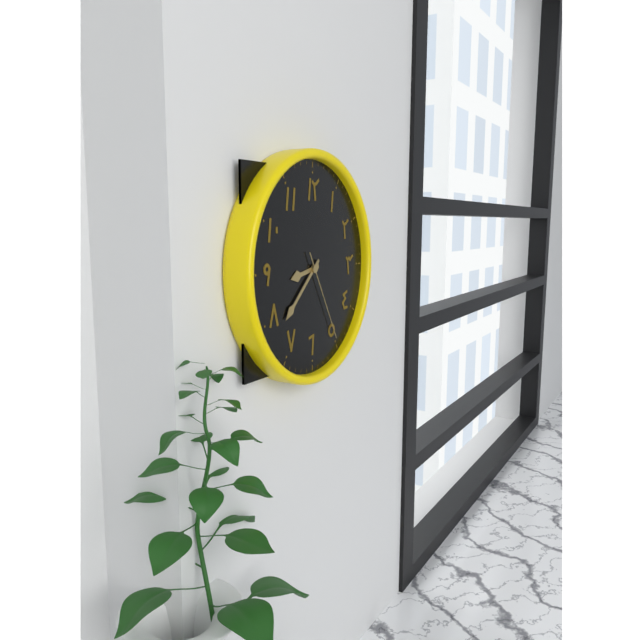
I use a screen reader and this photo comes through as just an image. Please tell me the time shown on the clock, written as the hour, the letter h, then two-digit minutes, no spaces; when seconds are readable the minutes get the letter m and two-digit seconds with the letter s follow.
8h38m25s
